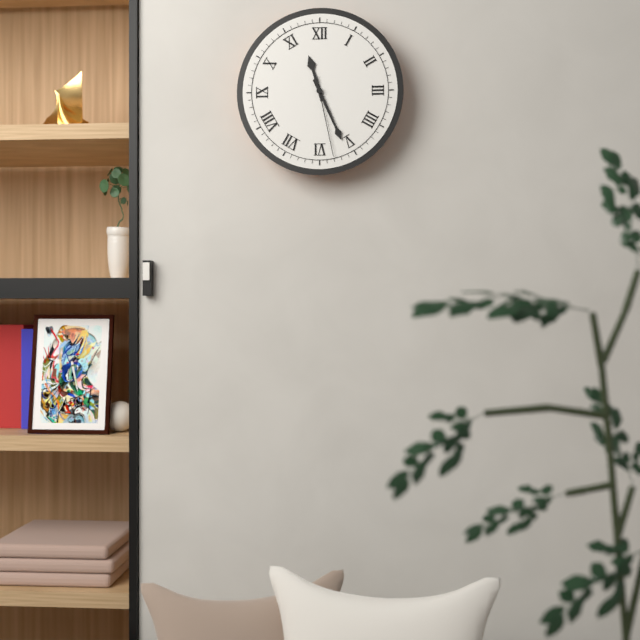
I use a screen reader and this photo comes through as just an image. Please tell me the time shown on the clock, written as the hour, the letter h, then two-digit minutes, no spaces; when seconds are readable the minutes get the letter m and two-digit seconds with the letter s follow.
11h26m28s
